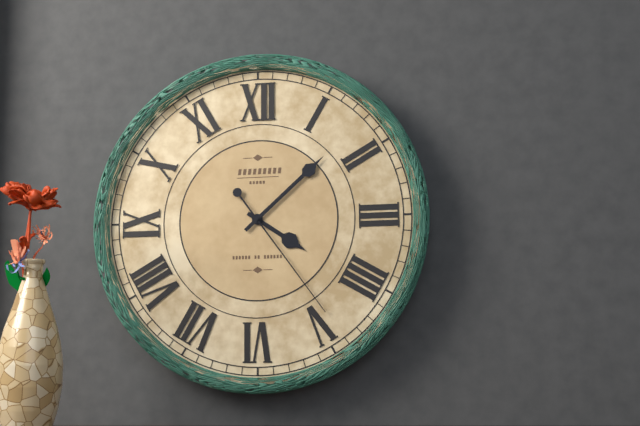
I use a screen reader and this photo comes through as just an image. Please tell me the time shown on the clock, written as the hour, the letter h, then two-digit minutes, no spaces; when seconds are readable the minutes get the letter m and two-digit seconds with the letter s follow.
4h08m24s
